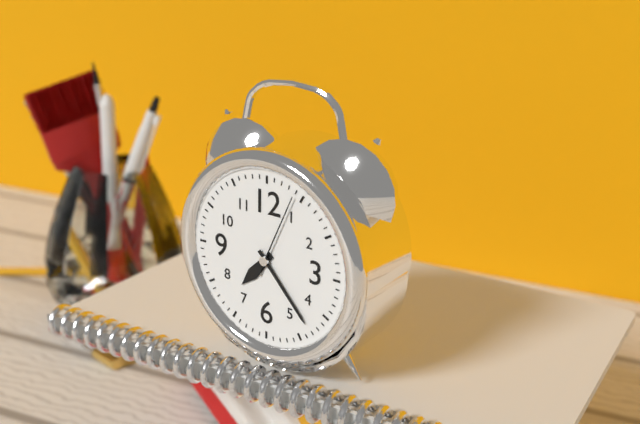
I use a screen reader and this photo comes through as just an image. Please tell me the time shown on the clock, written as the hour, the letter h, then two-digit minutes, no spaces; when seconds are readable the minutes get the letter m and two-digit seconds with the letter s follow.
7h23m04s
